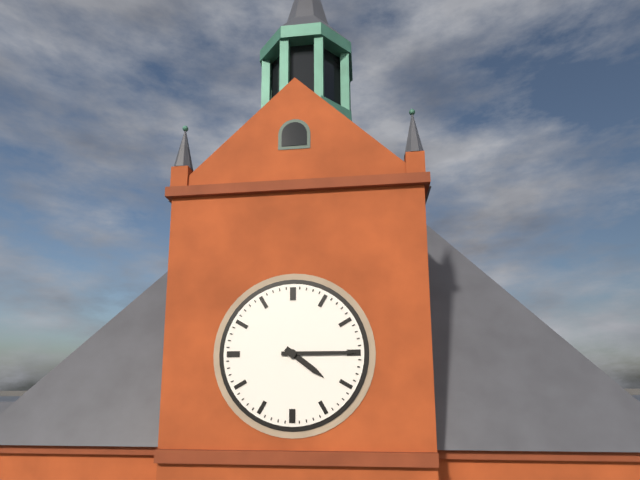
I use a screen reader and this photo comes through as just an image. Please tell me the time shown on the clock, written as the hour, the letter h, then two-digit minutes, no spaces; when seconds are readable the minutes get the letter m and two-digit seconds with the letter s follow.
4h15
